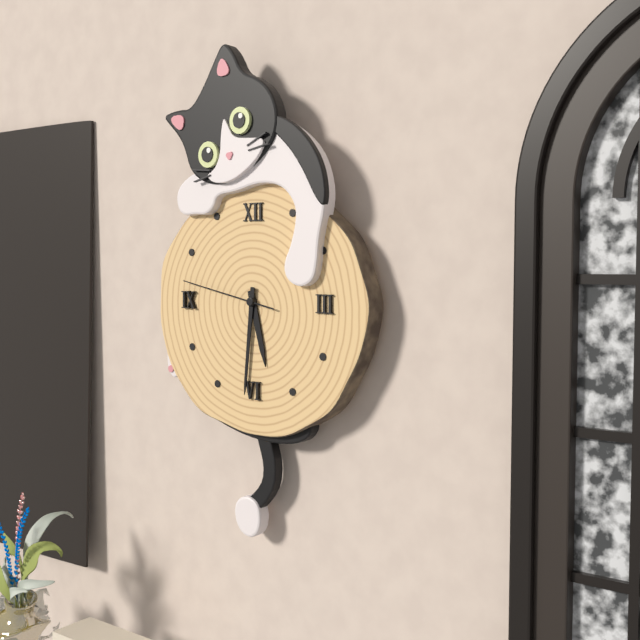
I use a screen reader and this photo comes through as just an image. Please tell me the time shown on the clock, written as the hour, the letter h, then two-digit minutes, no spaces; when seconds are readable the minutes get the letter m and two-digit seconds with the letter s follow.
5h31m47s
